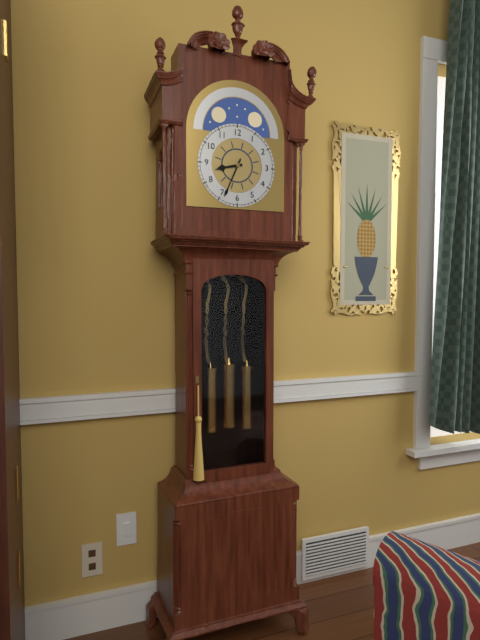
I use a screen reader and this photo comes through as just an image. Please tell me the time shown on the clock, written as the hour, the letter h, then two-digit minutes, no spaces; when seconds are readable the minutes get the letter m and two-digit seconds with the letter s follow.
8h34
